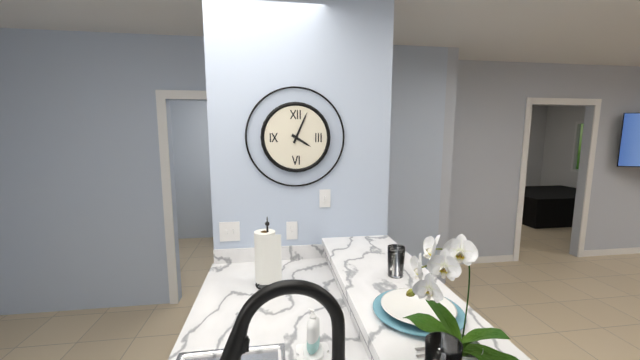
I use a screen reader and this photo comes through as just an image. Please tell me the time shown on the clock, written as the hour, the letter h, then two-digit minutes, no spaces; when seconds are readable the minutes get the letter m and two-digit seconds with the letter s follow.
4h04
